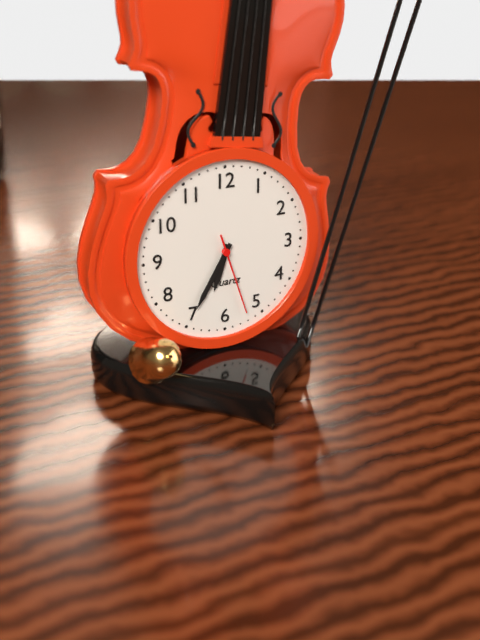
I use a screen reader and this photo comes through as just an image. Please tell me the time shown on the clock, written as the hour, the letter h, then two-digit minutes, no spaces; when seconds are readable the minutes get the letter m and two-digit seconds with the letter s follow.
6h35m27s
